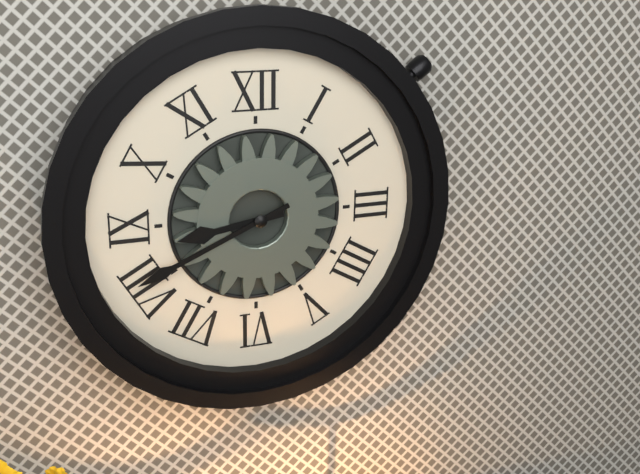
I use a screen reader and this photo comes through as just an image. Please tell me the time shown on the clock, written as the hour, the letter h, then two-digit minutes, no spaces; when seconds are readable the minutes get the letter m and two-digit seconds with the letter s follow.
8h41
